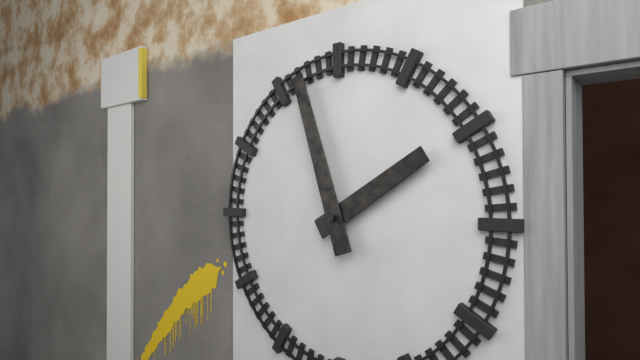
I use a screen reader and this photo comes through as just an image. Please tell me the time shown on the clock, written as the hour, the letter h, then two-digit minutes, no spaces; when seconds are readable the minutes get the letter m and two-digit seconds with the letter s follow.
1h57
